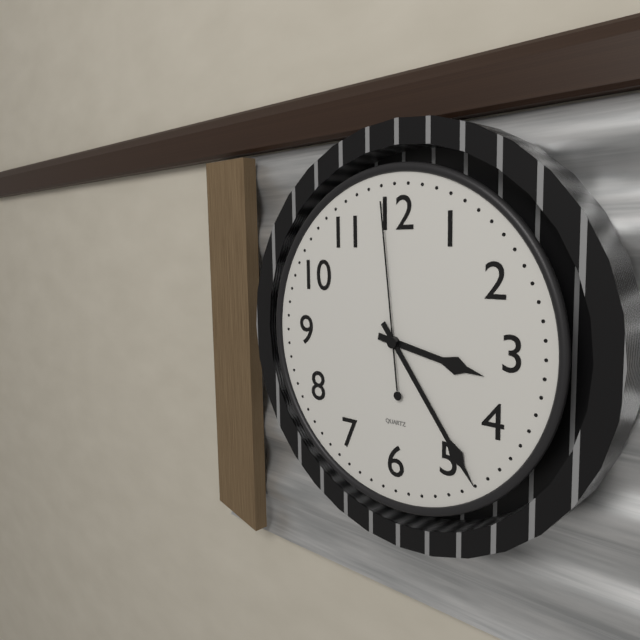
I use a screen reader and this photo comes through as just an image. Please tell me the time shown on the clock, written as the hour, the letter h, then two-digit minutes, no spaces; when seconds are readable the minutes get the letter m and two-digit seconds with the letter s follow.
3h24m59s
